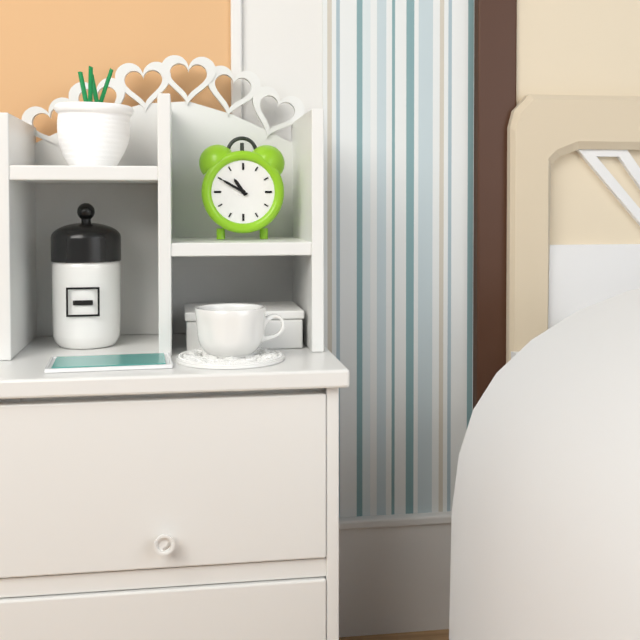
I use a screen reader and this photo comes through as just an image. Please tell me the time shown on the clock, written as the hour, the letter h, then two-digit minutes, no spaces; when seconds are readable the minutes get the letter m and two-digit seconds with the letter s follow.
10h50
